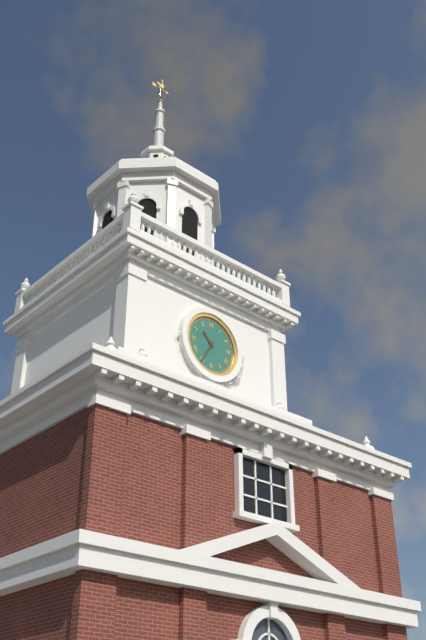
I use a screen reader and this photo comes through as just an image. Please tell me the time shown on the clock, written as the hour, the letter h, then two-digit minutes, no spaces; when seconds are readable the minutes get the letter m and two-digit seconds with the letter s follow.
10h35
